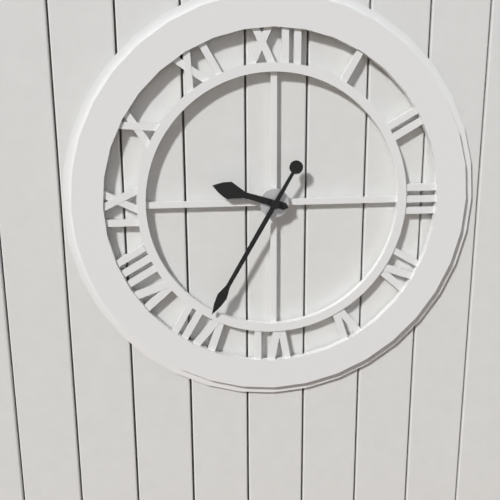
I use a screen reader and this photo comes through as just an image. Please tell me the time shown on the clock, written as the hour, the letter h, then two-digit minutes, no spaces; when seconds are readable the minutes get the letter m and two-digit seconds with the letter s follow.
9h35
